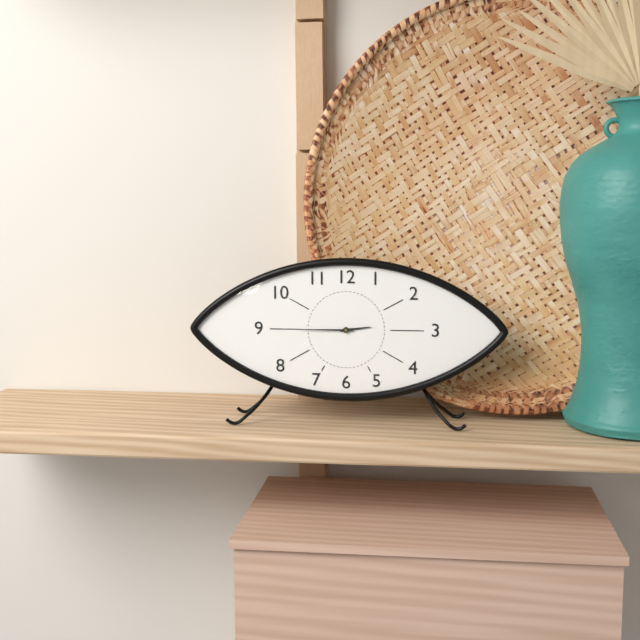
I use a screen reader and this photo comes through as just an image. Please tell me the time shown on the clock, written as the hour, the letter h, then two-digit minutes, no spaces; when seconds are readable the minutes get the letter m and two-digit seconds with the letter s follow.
2h45
